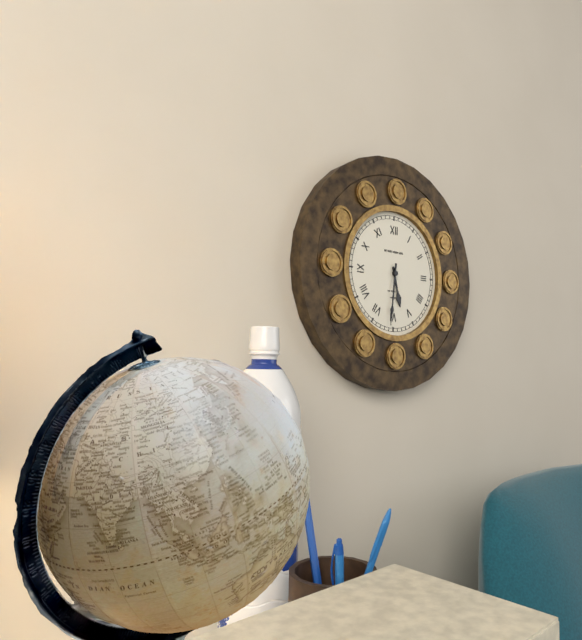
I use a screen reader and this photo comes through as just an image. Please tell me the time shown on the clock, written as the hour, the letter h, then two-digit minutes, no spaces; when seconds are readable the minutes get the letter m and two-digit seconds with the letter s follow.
5h31
